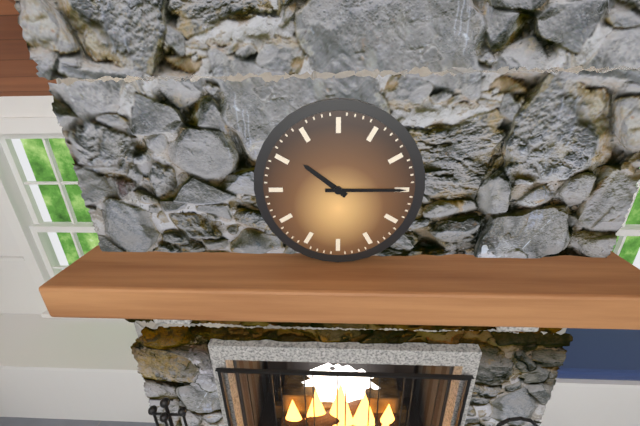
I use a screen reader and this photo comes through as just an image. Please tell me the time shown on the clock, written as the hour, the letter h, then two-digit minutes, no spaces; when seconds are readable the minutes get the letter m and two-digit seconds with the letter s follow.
10h15
